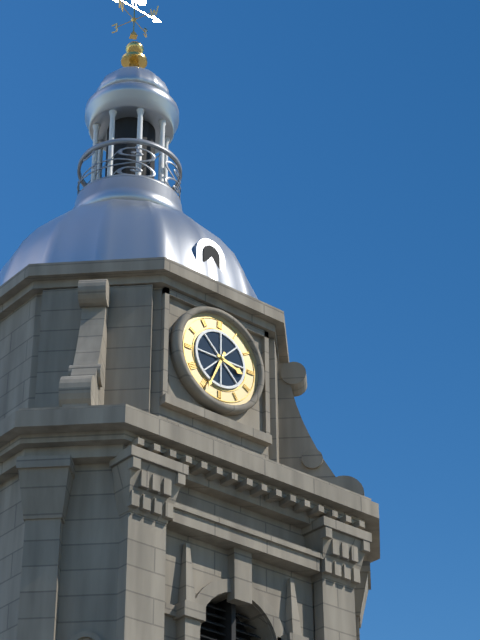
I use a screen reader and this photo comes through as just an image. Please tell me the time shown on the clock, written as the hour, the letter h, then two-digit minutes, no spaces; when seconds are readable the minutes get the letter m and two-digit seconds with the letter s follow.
3h34
